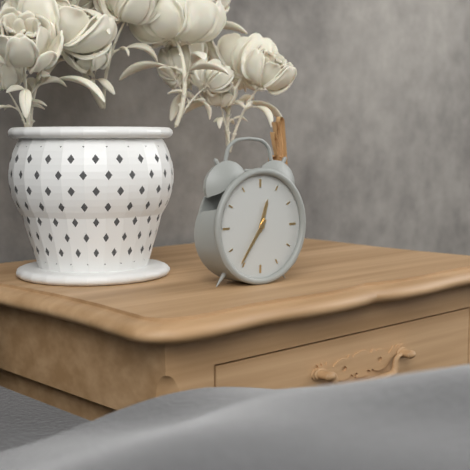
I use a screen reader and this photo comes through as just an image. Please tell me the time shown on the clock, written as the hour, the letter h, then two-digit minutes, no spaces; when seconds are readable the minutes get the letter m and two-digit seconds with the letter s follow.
12h36
